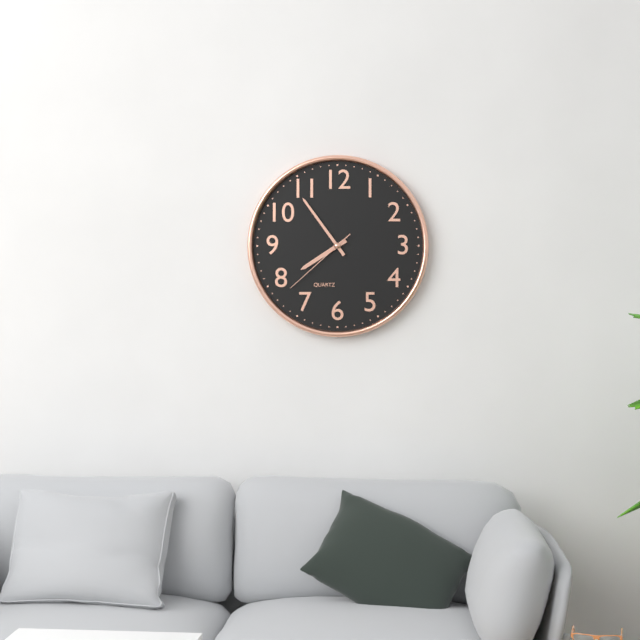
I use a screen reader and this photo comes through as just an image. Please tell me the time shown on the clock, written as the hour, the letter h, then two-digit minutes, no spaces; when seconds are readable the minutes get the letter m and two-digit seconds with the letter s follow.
7h54m38s
